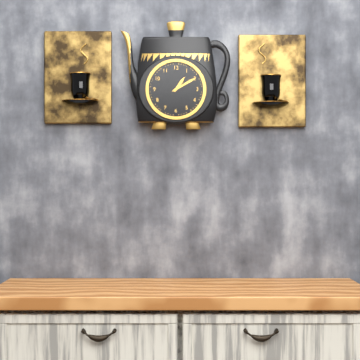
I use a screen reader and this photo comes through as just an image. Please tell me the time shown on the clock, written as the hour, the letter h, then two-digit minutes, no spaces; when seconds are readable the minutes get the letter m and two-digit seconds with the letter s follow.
1h10
